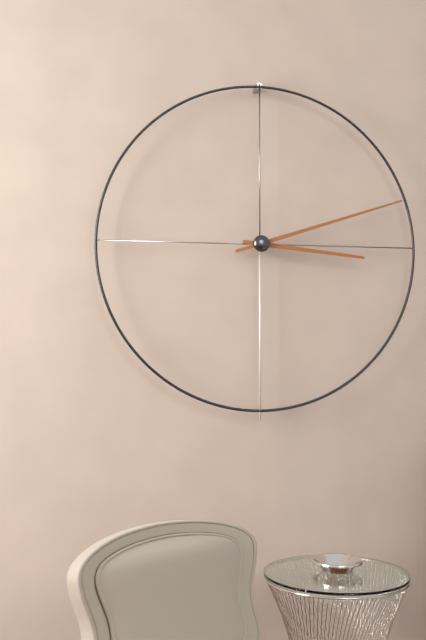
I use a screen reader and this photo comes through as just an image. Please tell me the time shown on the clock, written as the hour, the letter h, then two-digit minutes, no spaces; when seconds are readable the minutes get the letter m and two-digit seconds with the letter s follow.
3h12
